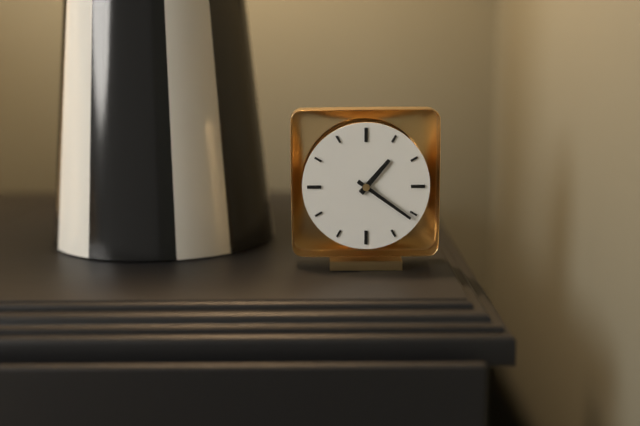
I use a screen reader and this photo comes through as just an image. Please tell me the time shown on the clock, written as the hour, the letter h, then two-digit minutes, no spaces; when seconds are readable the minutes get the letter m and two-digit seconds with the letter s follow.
1h21
